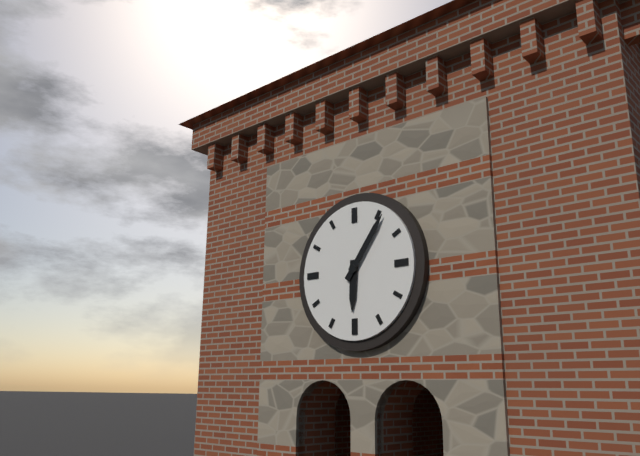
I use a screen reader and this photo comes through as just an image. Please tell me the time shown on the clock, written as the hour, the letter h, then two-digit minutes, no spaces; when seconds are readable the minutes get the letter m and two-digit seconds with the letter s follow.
6h06
